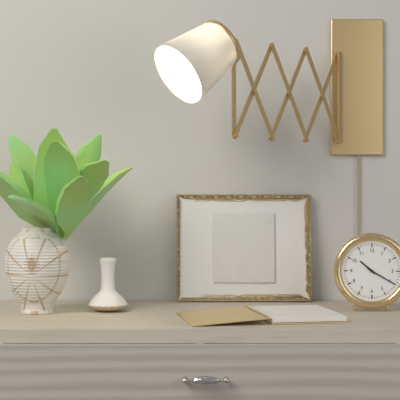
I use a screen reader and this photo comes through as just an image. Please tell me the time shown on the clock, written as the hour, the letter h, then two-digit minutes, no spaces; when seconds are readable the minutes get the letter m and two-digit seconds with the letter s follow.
10h20
